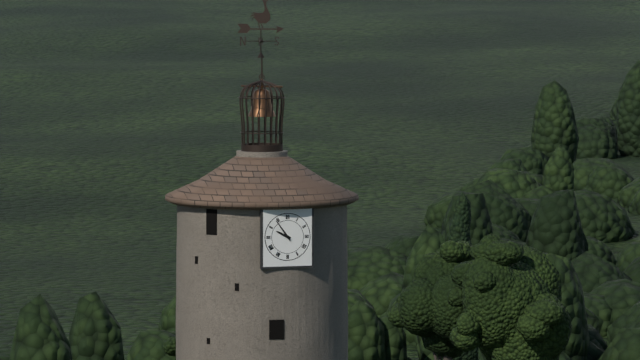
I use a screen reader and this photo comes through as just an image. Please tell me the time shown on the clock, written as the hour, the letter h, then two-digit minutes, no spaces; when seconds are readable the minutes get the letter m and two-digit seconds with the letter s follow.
9h54
